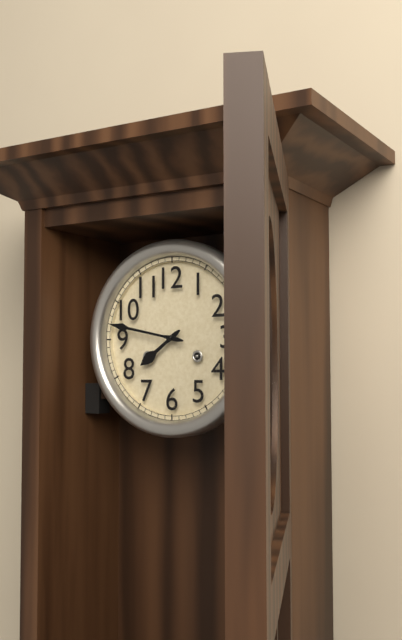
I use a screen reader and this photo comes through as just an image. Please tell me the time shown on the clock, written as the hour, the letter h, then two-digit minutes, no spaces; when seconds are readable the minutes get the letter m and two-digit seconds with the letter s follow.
7h47
